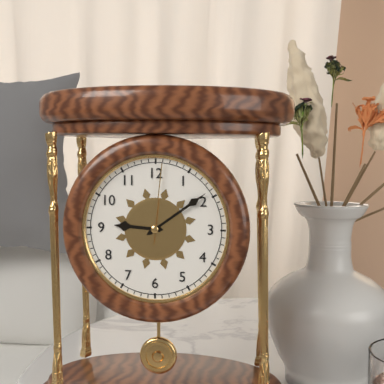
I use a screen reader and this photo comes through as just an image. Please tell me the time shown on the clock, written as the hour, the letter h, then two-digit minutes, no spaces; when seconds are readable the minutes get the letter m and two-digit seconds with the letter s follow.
9h09m01s
